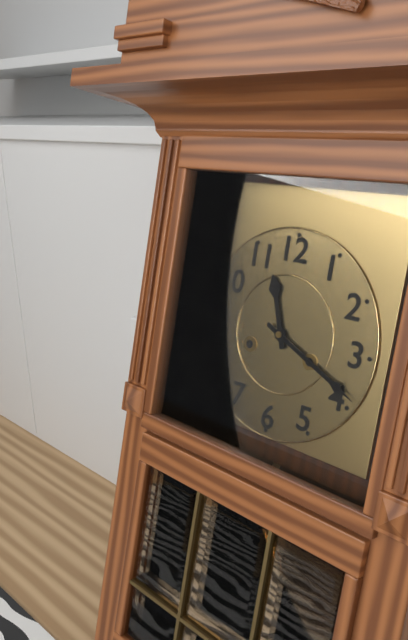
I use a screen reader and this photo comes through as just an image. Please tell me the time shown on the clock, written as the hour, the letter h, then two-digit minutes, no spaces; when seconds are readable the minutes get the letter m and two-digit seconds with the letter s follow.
11h19
